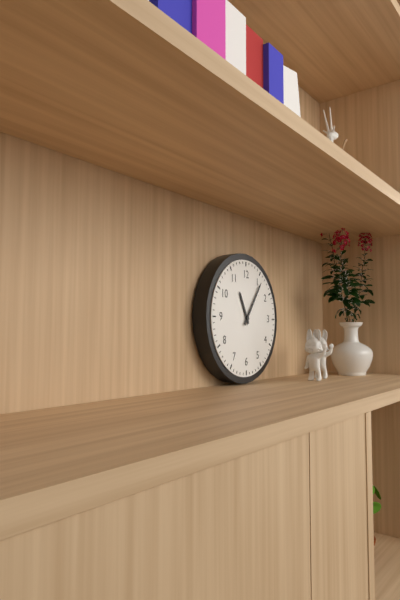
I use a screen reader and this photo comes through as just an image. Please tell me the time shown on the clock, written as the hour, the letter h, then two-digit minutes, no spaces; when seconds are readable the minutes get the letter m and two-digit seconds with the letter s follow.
11h06
